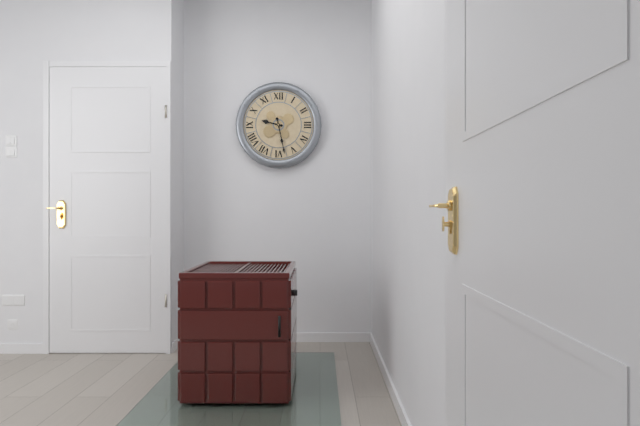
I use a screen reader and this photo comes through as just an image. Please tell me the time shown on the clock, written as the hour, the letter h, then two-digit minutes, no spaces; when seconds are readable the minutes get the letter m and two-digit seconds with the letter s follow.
9h28
